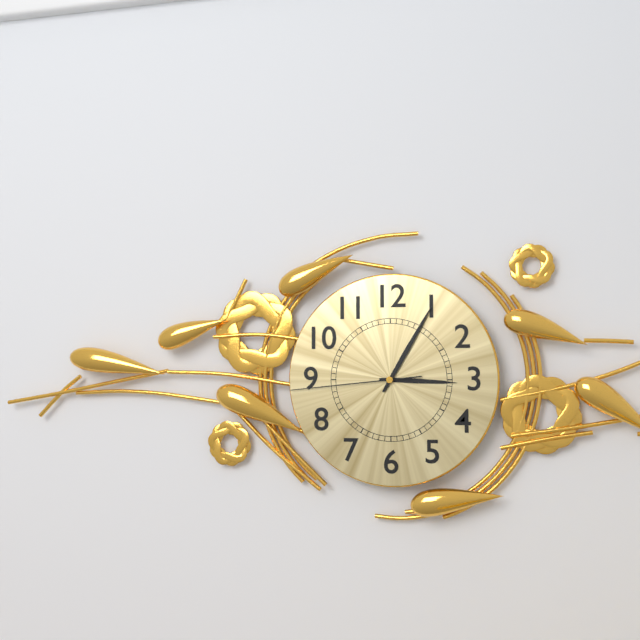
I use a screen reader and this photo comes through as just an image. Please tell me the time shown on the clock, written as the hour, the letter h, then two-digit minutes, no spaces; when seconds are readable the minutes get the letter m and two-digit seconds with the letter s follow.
3h05m44s
